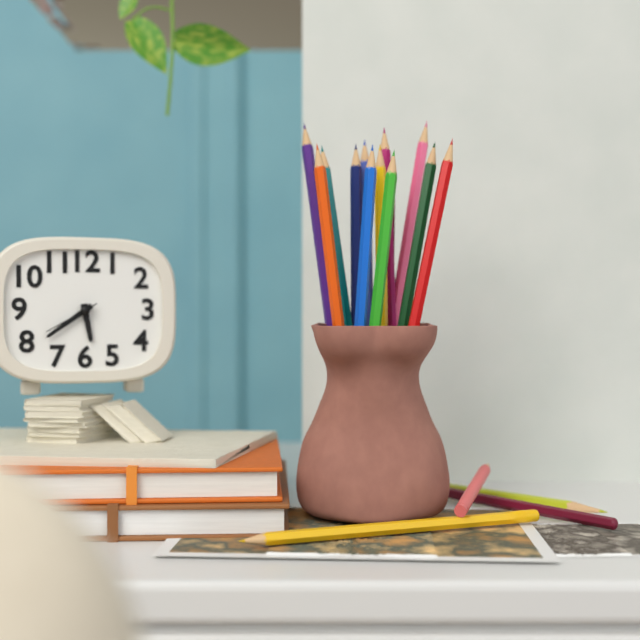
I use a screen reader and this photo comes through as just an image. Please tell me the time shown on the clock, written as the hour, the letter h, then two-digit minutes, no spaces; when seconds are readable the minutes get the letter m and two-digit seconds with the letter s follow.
5h39m40s
